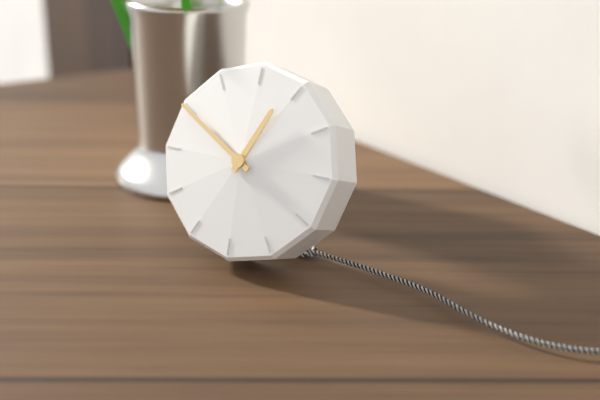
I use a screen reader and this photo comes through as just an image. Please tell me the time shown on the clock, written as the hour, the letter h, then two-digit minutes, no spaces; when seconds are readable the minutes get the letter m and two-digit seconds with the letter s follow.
12h50
